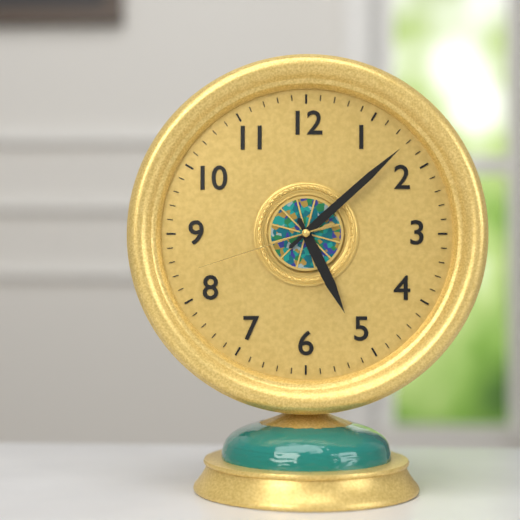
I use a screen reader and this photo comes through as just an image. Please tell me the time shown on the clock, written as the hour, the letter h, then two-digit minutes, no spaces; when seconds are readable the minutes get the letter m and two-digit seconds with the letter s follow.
5h08m42s
